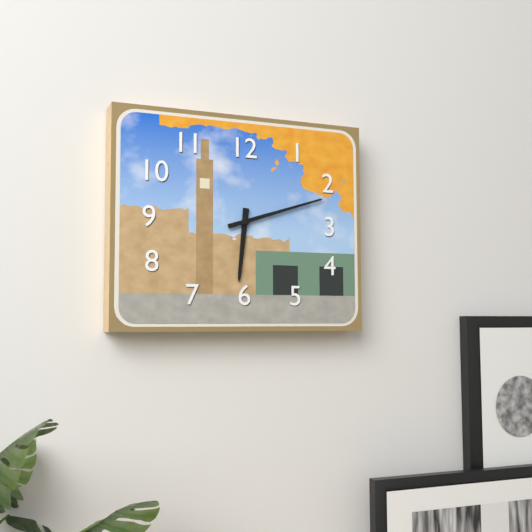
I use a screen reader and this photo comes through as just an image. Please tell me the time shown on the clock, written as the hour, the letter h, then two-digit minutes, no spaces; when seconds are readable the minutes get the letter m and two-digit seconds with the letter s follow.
6h12
